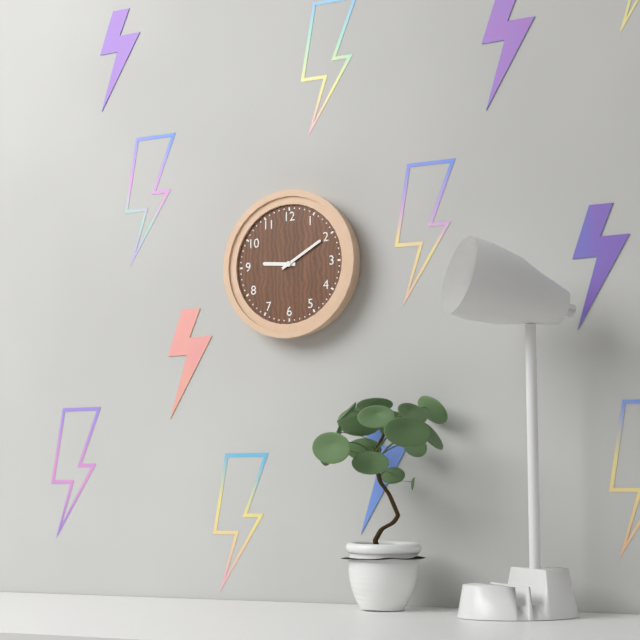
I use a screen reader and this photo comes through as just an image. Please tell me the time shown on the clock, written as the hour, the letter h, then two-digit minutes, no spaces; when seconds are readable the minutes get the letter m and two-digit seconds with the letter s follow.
9h10
